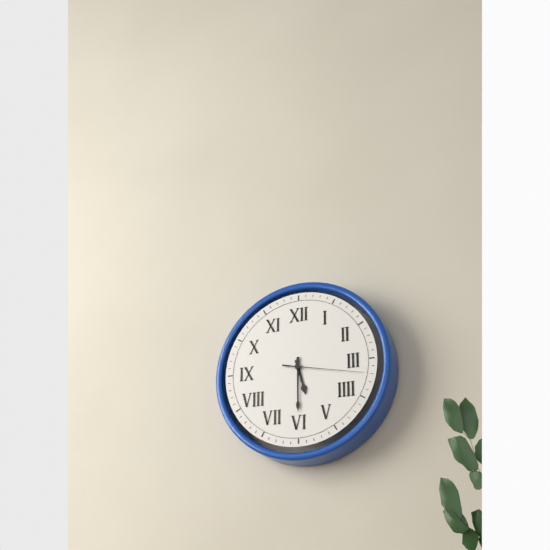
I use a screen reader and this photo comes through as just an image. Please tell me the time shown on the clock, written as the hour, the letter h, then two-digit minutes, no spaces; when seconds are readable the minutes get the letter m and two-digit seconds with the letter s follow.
5h30m17s
